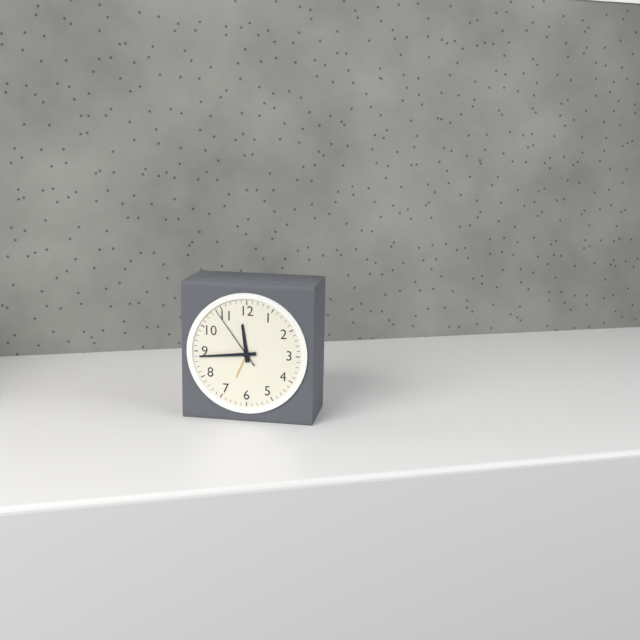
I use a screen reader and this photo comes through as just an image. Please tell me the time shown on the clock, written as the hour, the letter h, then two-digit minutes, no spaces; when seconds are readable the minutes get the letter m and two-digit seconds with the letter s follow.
11h44m54s
